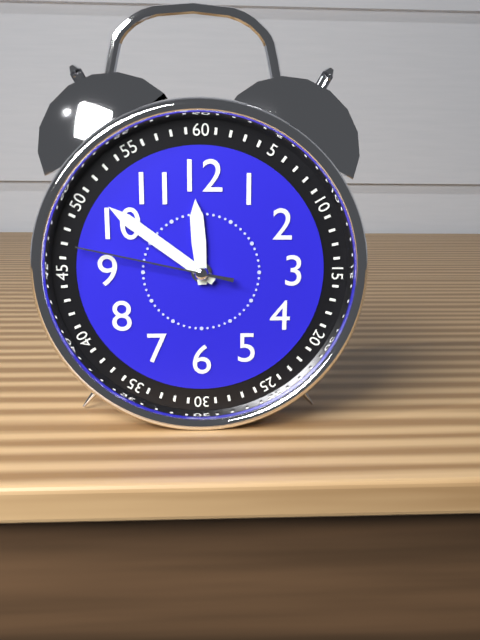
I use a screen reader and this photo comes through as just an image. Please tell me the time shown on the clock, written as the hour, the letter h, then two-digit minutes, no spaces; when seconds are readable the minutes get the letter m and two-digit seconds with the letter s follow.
11h51m47s
